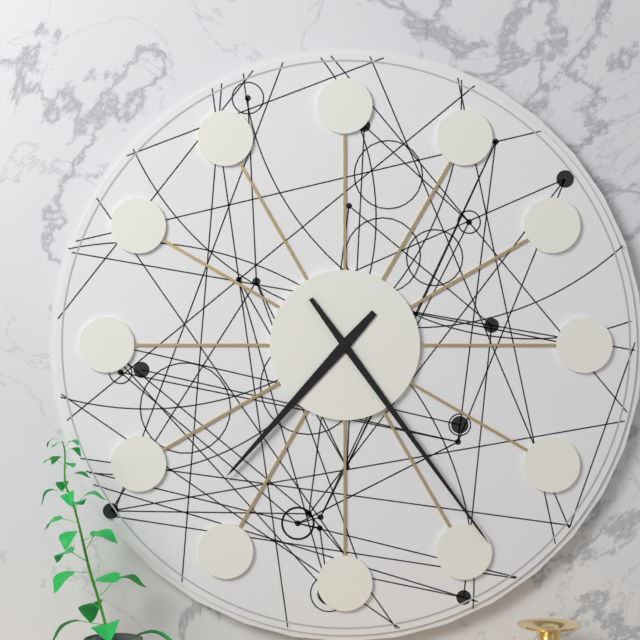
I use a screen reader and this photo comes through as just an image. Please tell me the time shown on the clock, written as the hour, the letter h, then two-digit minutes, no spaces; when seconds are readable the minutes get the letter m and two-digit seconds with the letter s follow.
7h24
